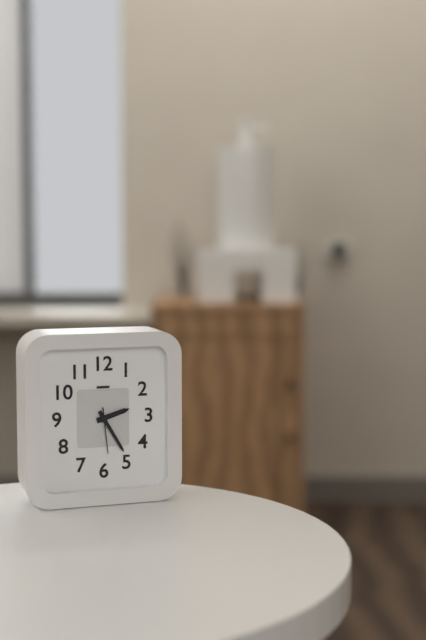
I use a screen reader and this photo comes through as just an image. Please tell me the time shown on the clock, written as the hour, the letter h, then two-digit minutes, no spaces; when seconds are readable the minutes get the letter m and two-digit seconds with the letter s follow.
2h25
